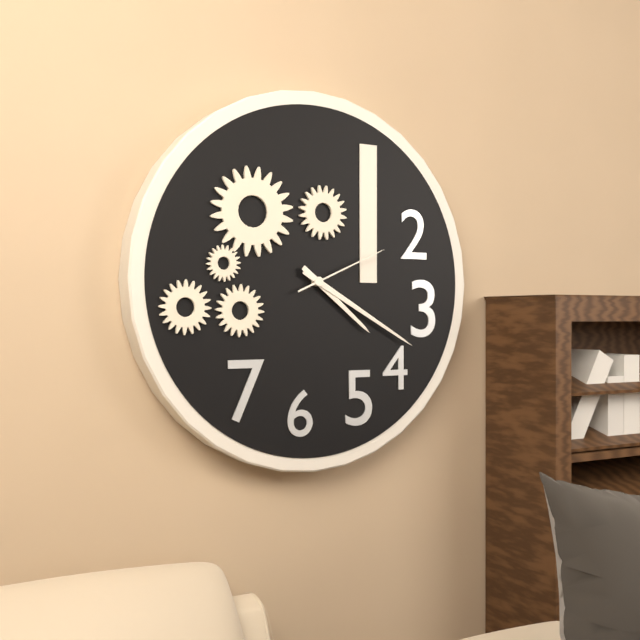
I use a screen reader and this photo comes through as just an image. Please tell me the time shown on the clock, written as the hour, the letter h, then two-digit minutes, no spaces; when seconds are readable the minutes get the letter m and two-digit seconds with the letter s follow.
4h20m11s
